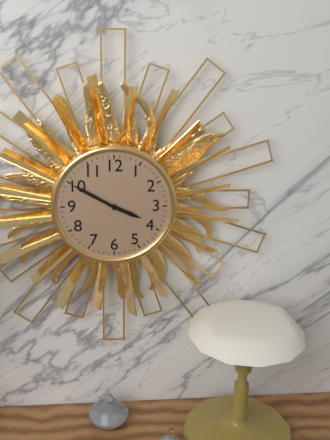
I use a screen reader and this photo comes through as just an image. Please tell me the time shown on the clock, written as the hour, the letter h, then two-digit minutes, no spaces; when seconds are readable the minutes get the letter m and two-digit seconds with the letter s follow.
3h50
